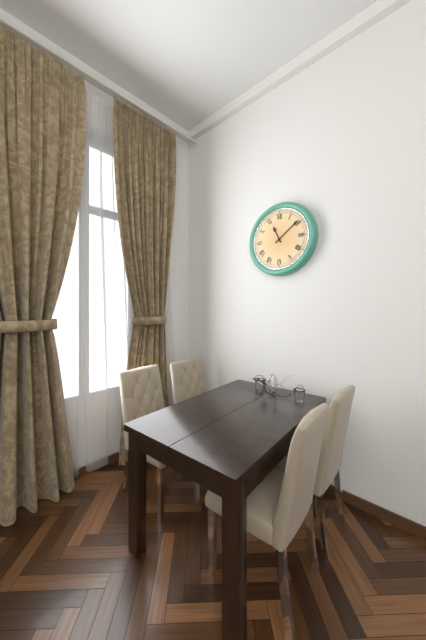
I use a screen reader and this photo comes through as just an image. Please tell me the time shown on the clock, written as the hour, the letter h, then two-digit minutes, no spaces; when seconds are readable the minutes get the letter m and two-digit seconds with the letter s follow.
11h09
